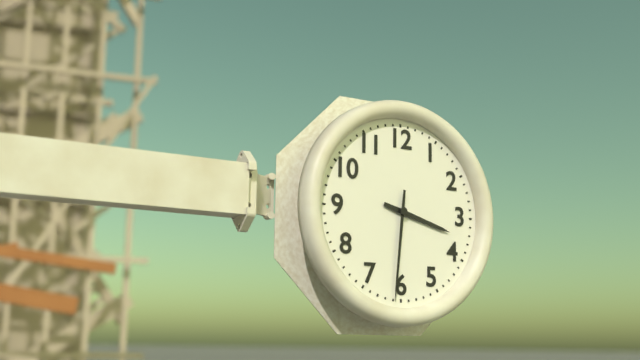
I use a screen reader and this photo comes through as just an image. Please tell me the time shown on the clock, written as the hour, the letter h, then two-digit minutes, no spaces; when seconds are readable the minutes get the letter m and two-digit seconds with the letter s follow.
3h31
